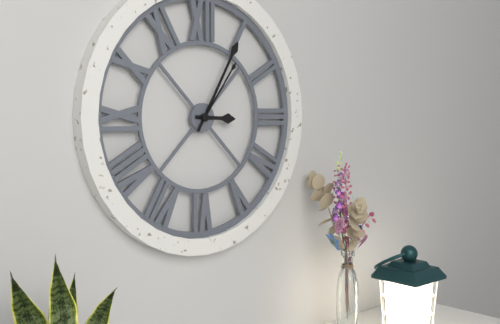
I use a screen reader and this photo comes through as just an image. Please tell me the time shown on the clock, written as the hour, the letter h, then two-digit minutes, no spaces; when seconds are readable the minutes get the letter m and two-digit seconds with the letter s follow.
3h05m06s
